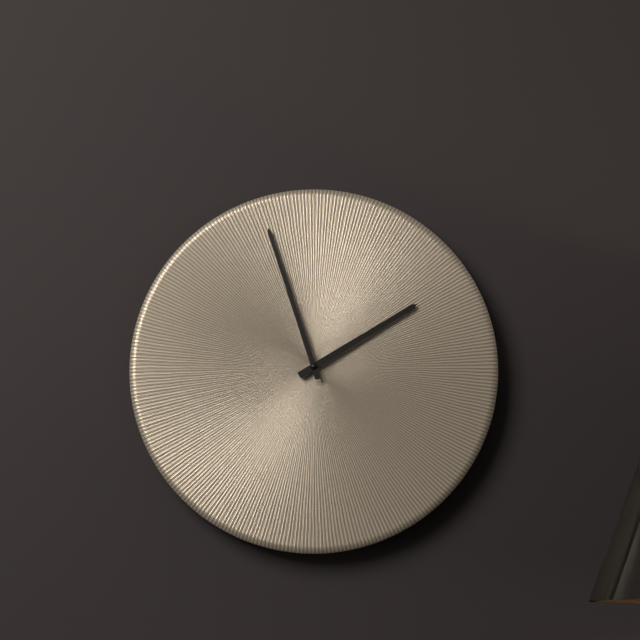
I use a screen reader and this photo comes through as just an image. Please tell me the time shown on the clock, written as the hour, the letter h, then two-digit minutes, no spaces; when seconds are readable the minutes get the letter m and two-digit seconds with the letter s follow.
1h57
